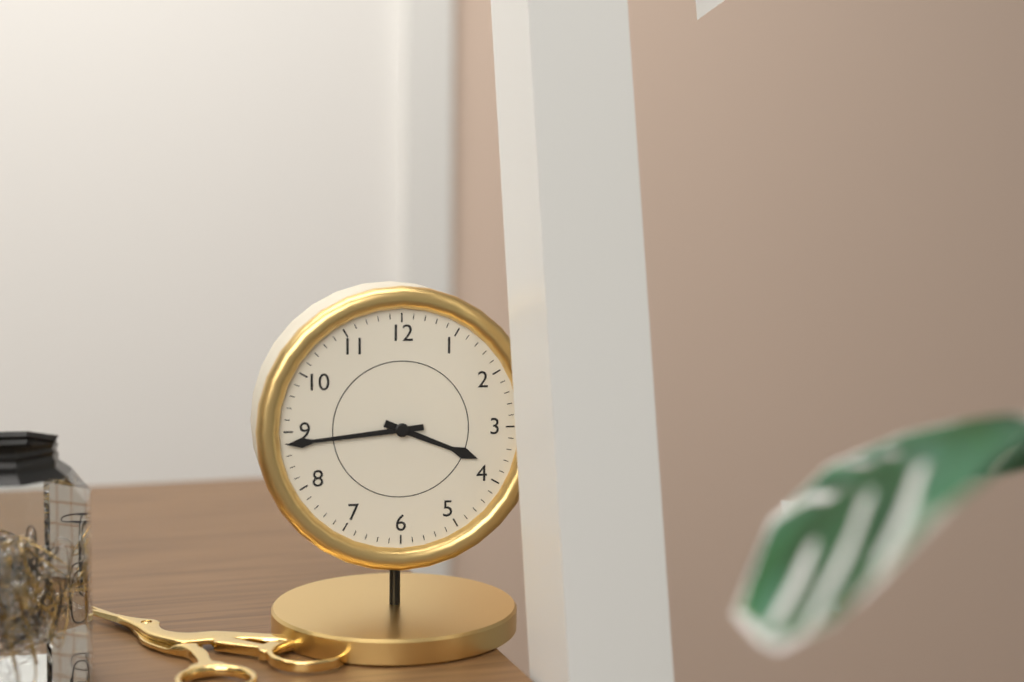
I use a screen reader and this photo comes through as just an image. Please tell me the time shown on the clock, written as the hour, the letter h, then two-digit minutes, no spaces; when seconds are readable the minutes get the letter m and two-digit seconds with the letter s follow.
3h44
